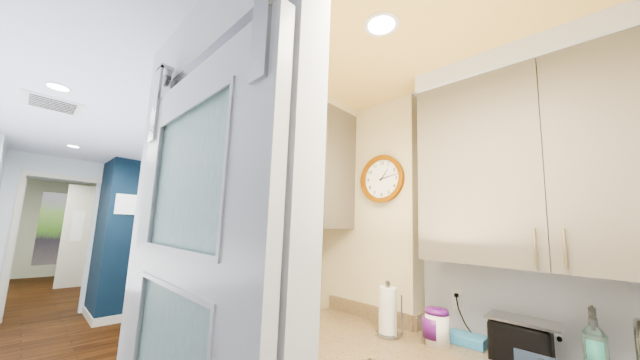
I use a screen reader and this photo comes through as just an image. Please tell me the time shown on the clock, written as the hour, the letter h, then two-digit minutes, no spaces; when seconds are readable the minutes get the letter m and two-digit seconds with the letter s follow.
1h13
